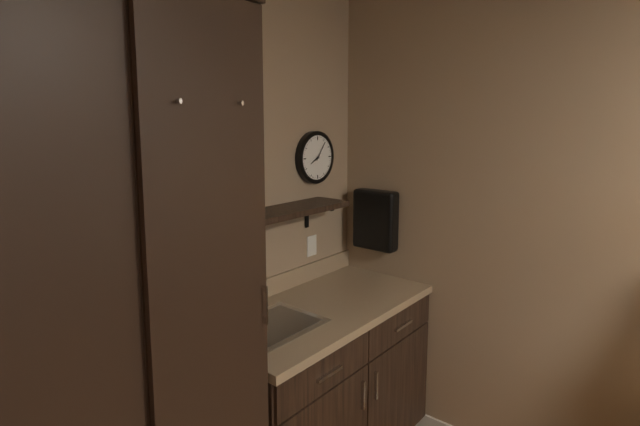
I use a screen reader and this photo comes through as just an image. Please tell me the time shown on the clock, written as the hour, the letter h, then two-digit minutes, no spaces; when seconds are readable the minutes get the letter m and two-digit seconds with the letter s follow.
8h06
